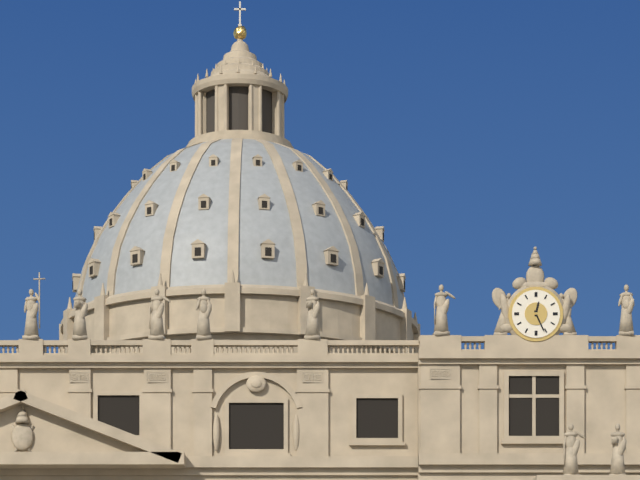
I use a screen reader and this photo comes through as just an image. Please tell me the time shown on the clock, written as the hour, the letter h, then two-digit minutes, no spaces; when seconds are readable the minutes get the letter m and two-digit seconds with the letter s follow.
12h26
